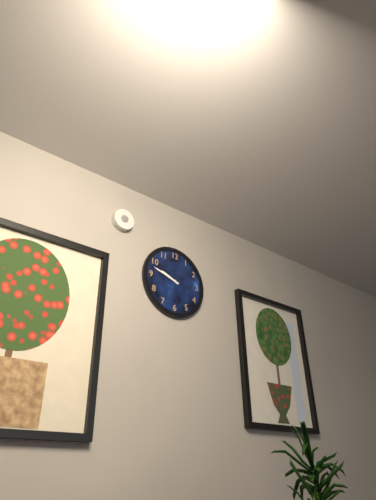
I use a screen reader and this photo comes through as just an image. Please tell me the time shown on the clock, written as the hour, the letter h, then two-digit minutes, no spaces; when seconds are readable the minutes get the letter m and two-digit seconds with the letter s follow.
9h48
